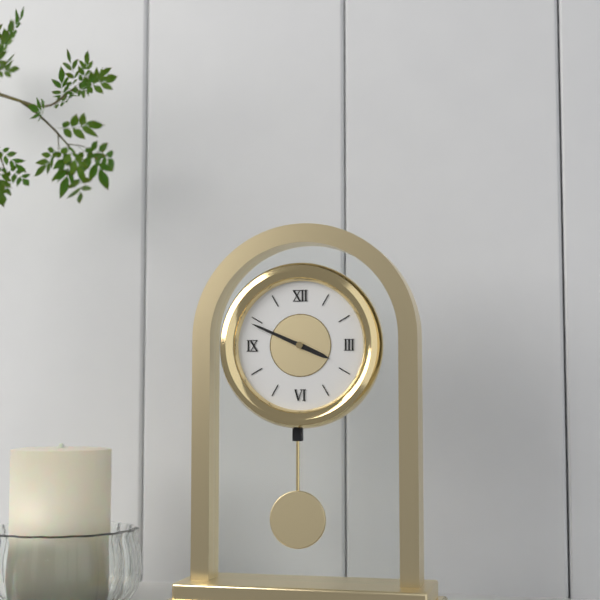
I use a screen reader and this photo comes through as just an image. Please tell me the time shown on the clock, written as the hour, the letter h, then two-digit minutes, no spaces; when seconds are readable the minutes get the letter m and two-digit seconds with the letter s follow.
3h49
